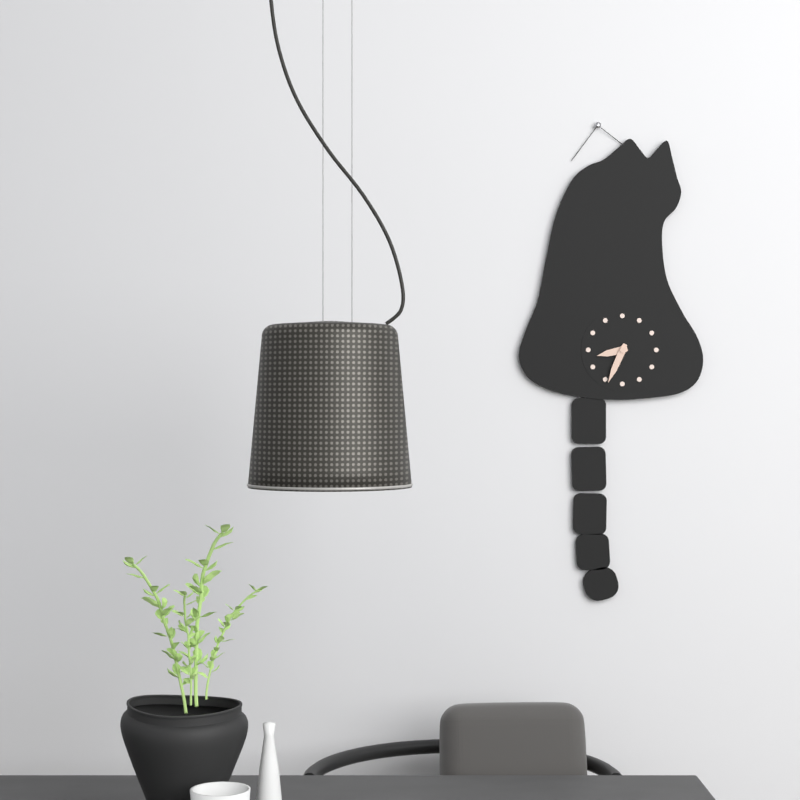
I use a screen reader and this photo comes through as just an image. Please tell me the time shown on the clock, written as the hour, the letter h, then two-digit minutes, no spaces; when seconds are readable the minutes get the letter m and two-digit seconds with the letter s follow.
8h34
